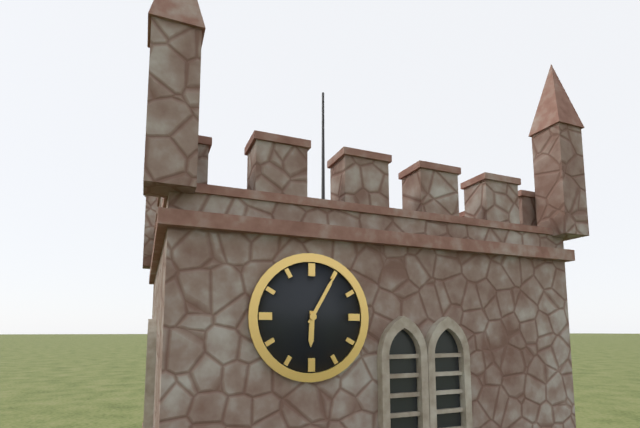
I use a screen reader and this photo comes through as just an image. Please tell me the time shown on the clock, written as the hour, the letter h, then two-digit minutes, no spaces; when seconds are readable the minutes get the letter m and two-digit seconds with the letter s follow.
6h05
